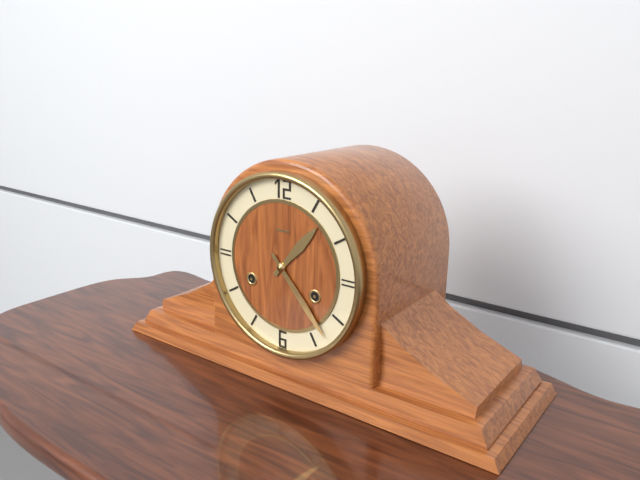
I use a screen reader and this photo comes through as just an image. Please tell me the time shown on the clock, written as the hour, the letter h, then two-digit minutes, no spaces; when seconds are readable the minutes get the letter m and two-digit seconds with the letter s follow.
1h23
